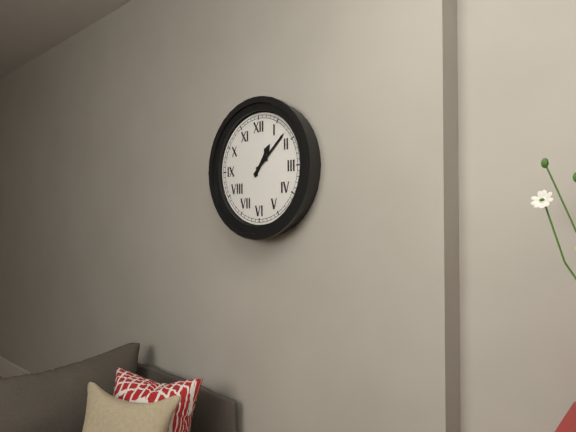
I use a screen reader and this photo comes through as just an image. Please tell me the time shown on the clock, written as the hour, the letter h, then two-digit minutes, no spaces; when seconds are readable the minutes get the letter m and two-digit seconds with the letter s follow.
1h08
